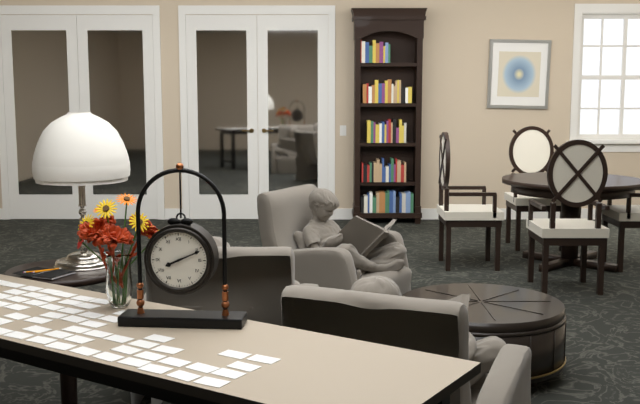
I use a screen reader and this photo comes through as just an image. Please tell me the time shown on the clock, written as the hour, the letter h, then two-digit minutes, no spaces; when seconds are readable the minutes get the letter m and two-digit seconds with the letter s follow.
8h11
